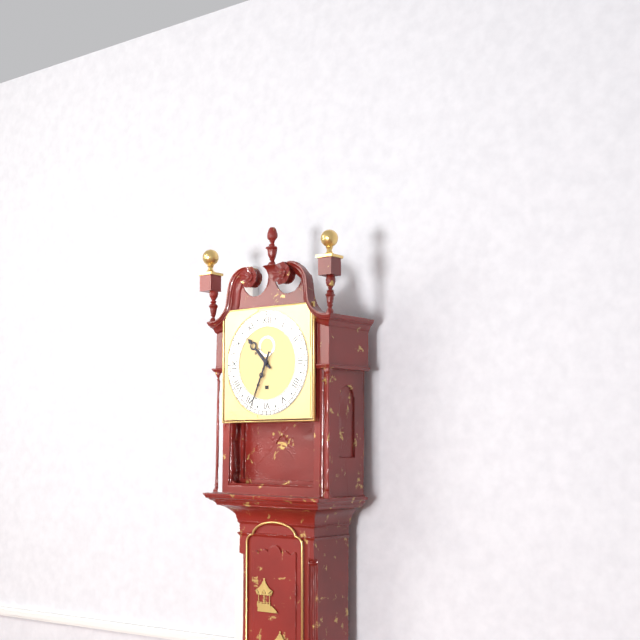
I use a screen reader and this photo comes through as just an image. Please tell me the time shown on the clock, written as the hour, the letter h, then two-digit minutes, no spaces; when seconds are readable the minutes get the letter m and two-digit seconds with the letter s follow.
10h34
